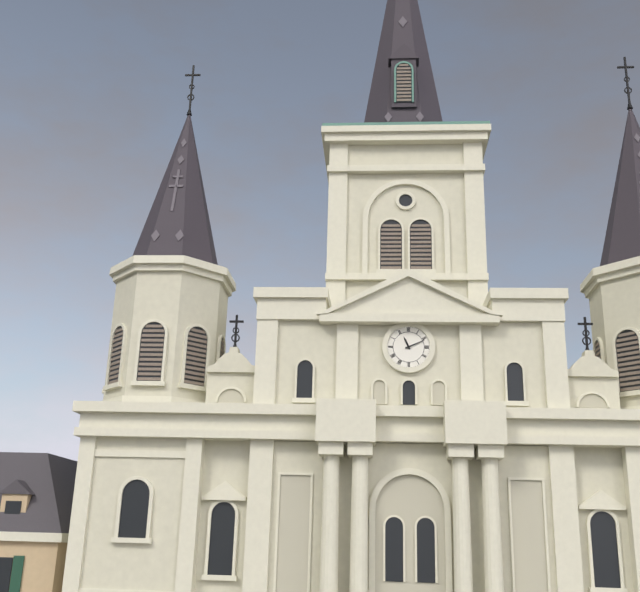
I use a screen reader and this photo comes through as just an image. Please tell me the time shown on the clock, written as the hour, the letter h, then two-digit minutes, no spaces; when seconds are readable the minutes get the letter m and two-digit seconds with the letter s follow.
11h11
